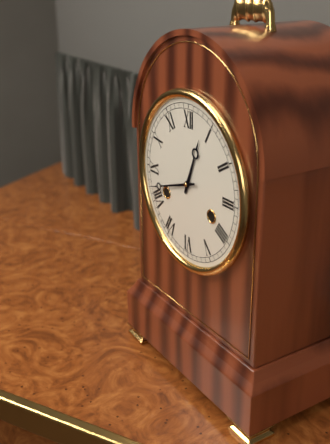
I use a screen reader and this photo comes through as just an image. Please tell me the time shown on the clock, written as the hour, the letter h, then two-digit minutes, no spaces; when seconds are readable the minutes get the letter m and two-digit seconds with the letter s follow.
12h42
